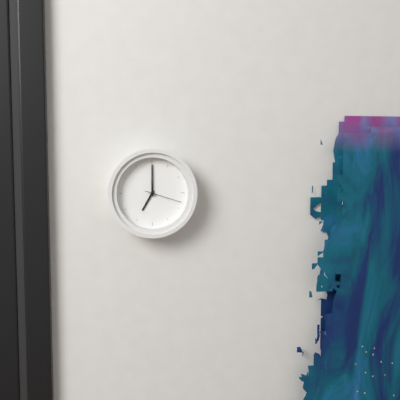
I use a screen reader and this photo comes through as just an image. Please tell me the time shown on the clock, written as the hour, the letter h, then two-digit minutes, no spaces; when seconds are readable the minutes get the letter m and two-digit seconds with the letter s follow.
7h00
